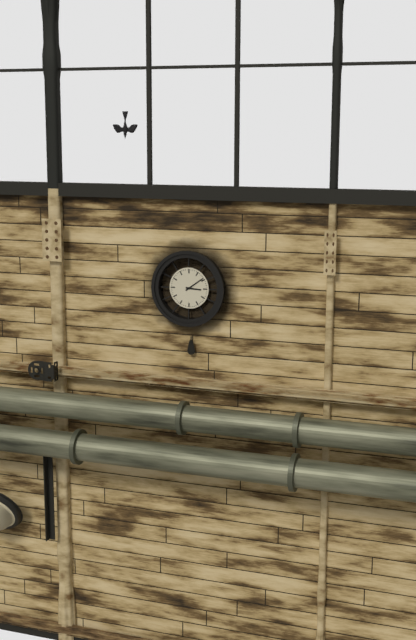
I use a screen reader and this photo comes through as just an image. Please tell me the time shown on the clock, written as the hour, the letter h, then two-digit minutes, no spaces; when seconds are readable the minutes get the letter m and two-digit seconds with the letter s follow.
3h09
